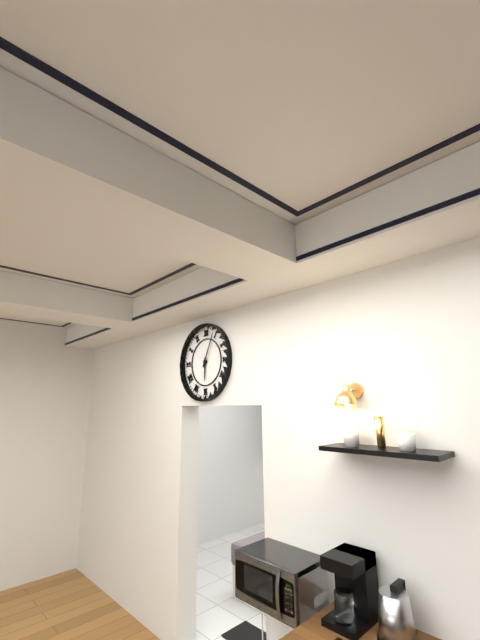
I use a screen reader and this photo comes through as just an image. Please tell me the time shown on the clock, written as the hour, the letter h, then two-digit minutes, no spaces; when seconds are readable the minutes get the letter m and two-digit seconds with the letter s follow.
6h04
